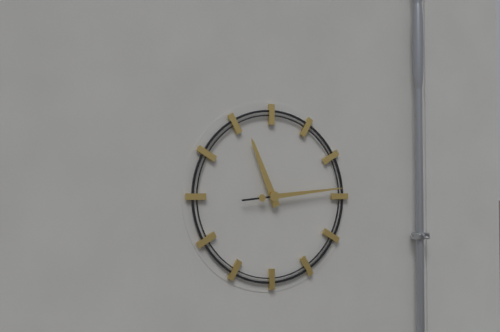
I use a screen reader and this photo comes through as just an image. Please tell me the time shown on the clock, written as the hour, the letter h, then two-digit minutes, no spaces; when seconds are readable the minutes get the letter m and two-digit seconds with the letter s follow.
11h14
